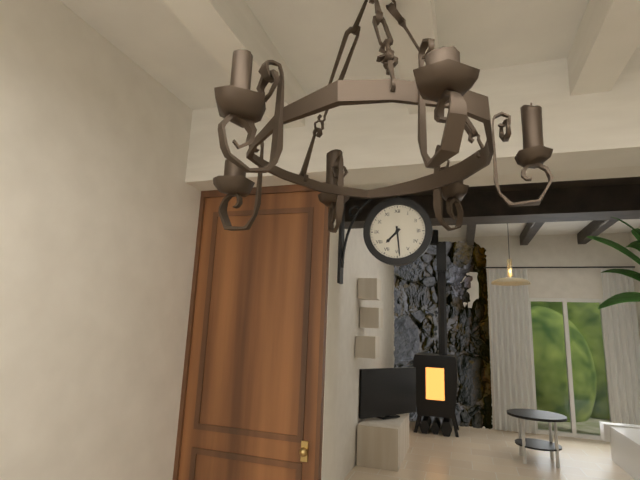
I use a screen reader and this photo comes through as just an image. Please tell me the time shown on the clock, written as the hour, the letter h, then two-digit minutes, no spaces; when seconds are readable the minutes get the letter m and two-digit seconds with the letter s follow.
7h29
